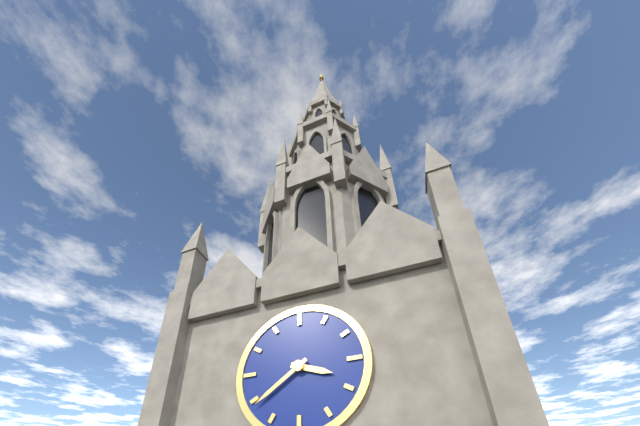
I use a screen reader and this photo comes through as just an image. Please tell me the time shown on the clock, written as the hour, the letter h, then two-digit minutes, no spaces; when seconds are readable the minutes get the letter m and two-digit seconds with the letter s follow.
3h39
